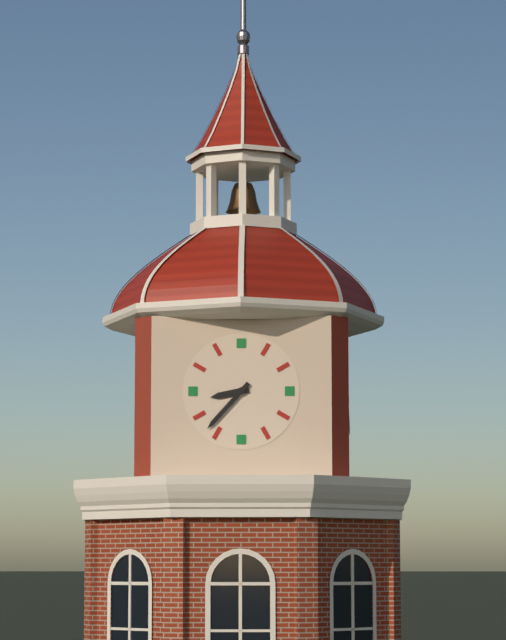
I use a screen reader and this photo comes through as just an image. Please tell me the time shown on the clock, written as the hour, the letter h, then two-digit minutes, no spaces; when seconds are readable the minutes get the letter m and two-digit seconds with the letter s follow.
8h37
